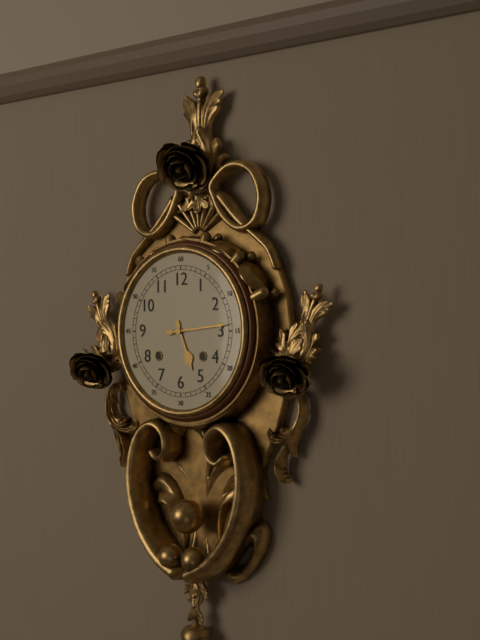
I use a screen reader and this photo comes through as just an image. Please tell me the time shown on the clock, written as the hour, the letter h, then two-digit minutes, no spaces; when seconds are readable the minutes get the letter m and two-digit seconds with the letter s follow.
5h14
